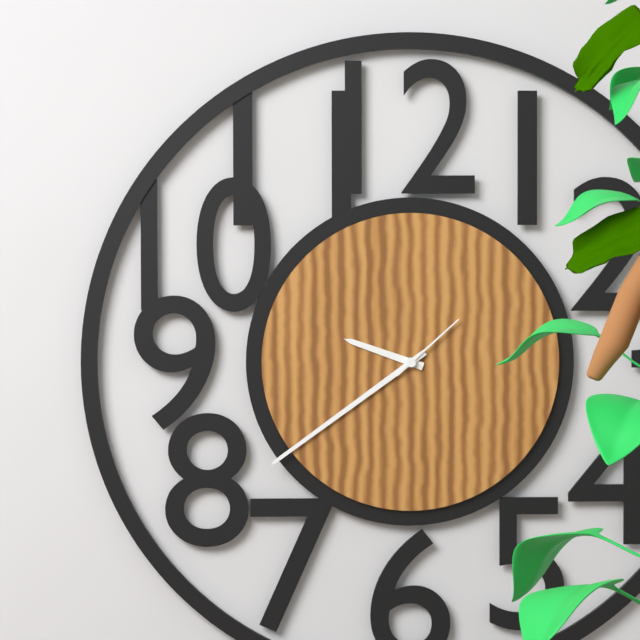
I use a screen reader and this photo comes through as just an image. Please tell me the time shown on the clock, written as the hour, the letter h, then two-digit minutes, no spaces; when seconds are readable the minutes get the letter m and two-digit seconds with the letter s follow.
9h39m08s
